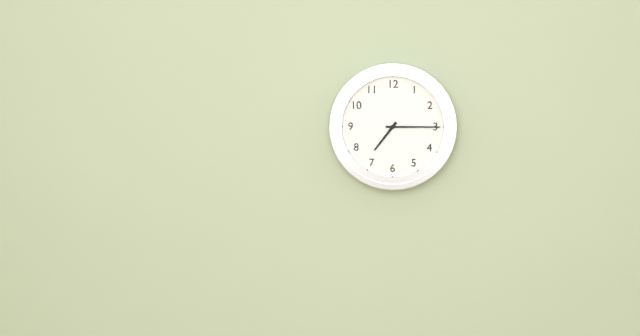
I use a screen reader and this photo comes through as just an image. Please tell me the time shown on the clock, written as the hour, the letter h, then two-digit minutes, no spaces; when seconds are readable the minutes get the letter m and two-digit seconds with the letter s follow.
7h15
